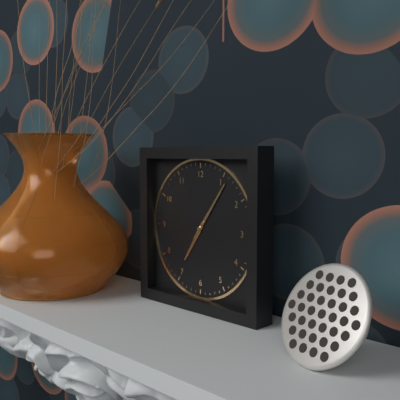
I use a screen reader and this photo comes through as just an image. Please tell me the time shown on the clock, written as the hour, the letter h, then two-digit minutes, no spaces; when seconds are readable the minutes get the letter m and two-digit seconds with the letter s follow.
7h06
